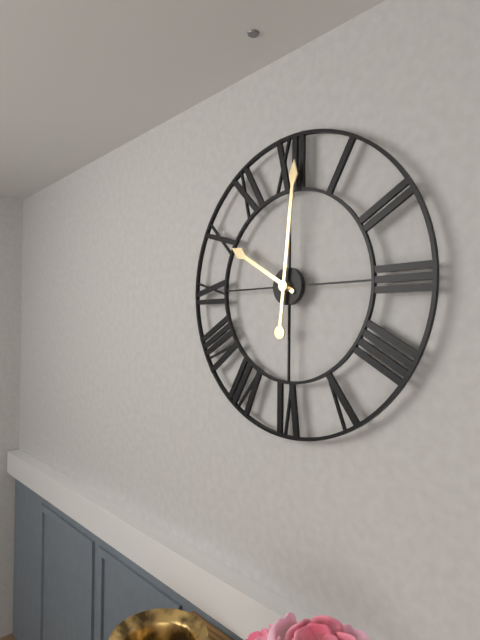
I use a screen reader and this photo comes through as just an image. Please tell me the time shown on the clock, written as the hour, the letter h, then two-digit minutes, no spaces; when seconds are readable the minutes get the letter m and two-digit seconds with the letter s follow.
10h01
